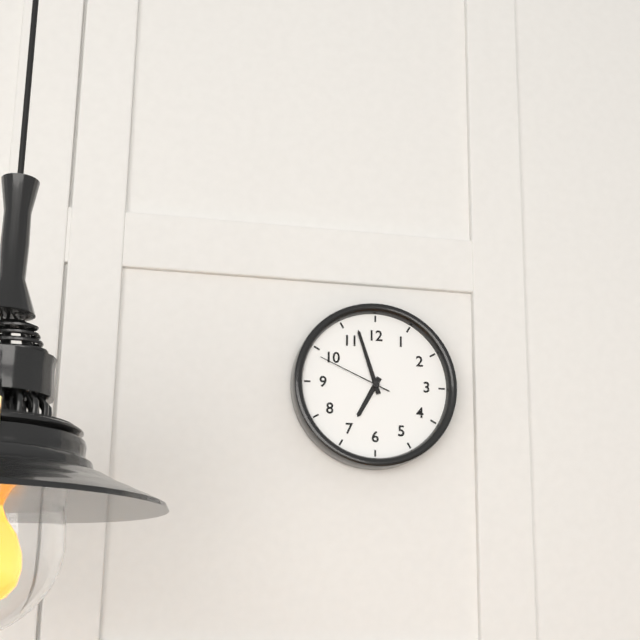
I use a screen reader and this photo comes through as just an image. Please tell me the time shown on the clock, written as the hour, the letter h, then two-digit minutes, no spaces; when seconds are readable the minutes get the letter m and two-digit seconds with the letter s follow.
6h57m49s
